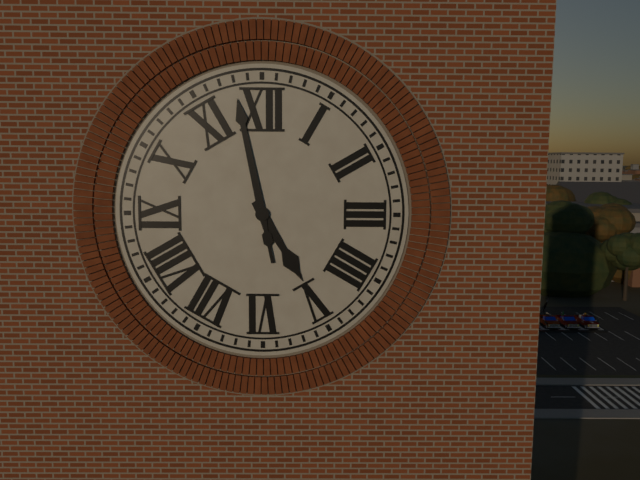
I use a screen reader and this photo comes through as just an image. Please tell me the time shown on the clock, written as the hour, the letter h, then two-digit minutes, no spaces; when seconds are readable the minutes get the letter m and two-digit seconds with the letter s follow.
4h58
